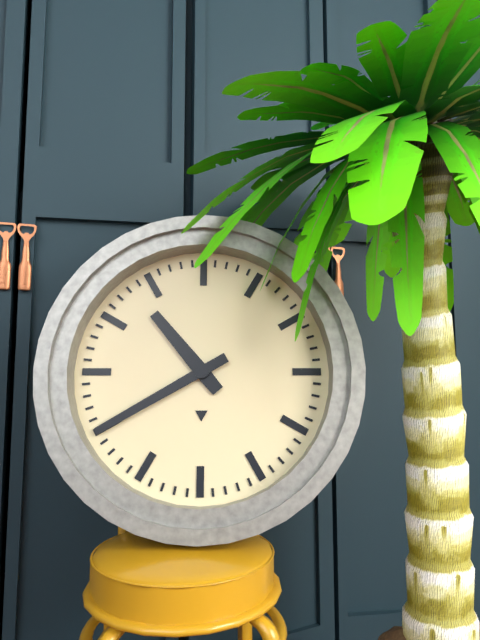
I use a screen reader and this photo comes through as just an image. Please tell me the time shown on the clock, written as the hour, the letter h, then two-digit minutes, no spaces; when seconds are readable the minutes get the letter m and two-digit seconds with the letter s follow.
10h40
